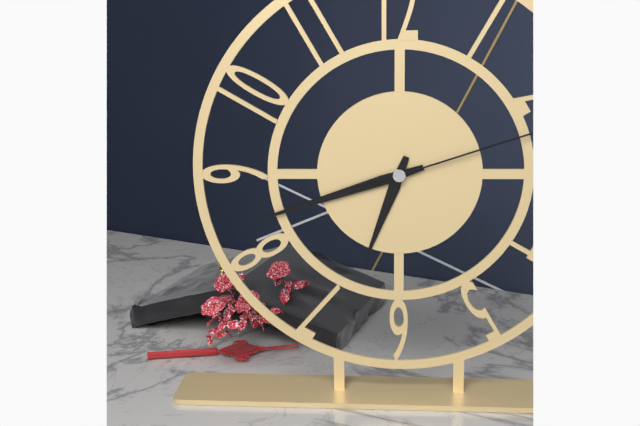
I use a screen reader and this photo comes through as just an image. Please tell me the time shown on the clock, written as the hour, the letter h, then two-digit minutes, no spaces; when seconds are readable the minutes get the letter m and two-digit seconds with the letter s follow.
6h42m12s
